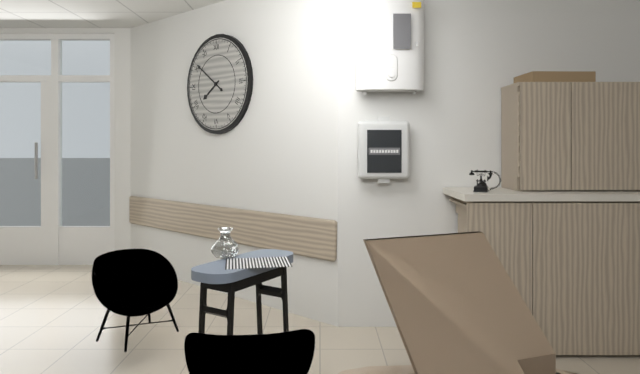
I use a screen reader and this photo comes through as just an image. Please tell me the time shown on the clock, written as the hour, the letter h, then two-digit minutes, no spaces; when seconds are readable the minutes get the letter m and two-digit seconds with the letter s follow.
7h51
